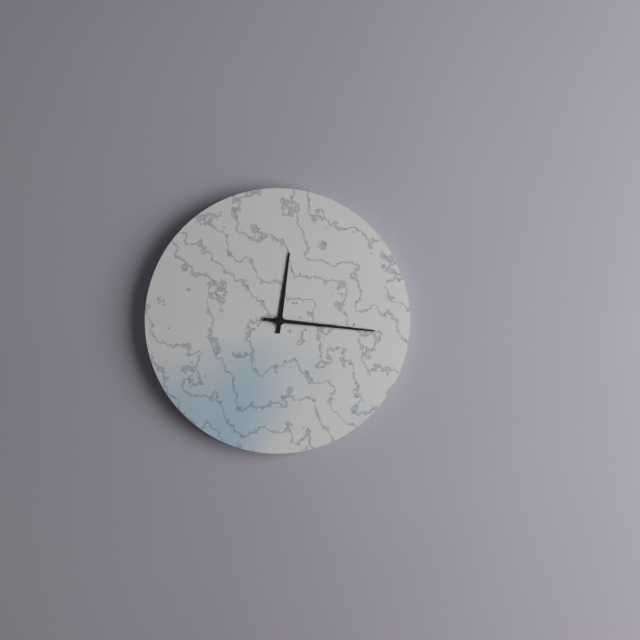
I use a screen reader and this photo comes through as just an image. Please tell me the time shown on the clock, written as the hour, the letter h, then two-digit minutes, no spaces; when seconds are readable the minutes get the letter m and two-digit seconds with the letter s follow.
12h16
